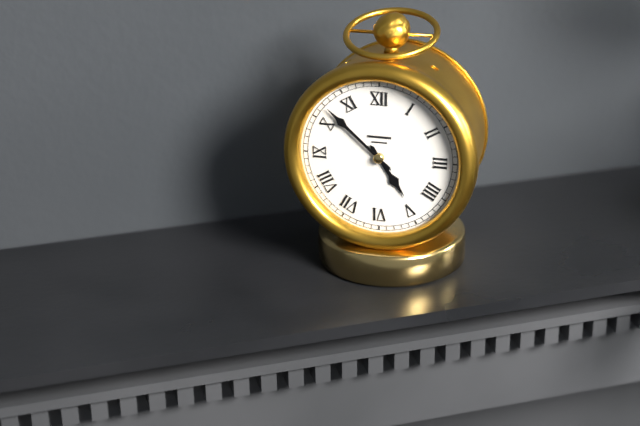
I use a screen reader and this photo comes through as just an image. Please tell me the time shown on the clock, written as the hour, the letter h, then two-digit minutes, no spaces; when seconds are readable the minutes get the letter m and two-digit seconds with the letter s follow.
4h52
